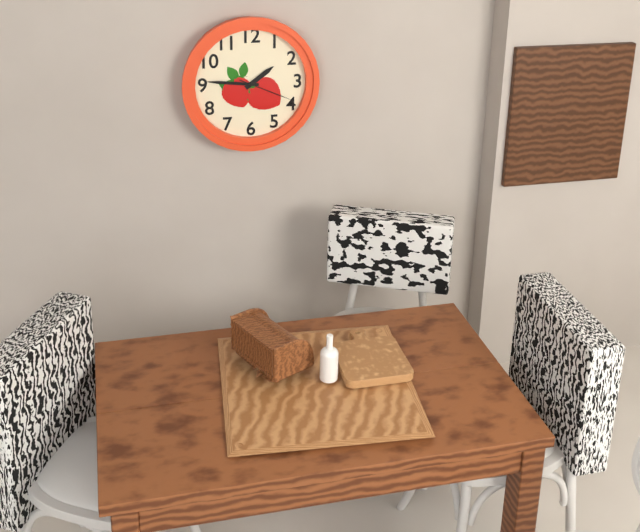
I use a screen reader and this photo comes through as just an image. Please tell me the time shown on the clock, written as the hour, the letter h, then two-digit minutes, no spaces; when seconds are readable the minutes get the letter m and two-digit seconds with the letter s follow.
1h46m19s
